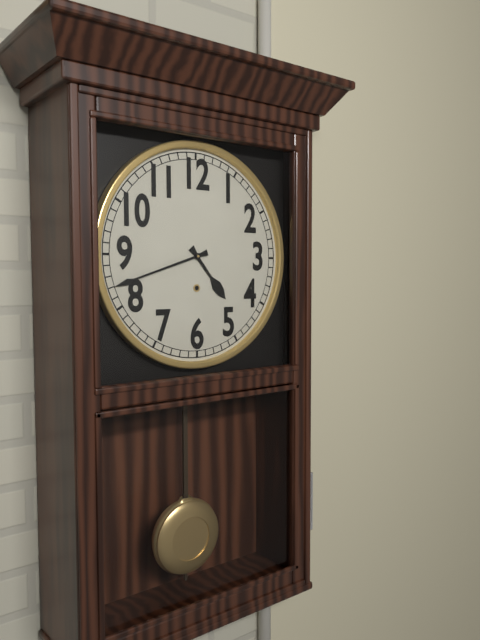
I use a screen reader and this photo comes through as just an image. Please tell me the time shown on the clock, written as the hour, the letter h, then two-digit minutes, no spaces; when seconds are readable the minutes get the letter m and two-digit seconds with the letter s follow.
4h42
